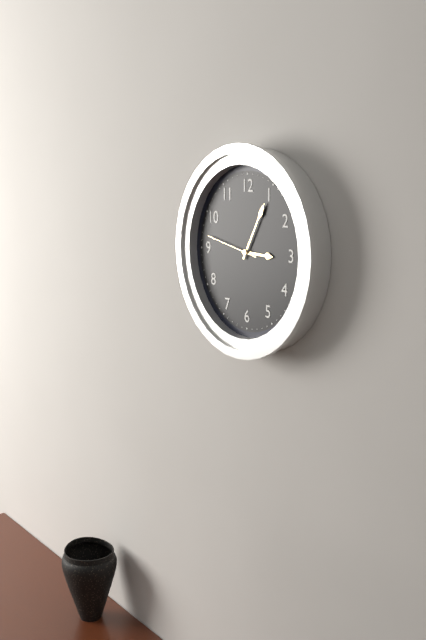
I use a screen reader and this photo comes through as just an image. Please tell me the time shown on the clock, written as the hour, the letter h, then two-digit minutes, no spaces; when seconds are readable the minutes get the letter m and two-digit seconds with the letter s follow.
3h05m47s
